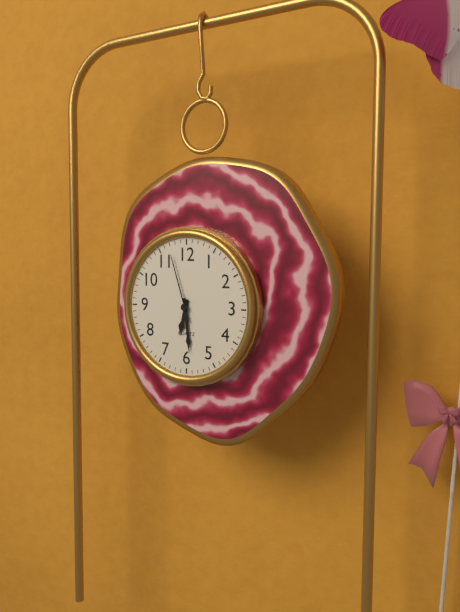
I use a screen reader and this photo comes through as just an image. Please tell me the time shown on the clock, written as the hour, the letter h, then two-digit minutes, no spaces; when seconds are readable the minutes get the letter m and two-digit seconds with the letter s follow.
6h29m57s
